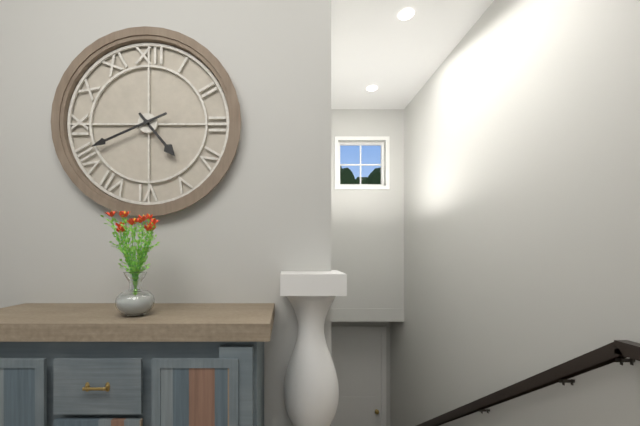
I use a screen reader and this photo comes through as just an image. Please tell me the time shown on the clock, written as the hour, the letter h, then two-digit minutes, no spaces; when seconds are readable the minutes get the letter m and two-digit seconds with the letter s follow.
4h41
